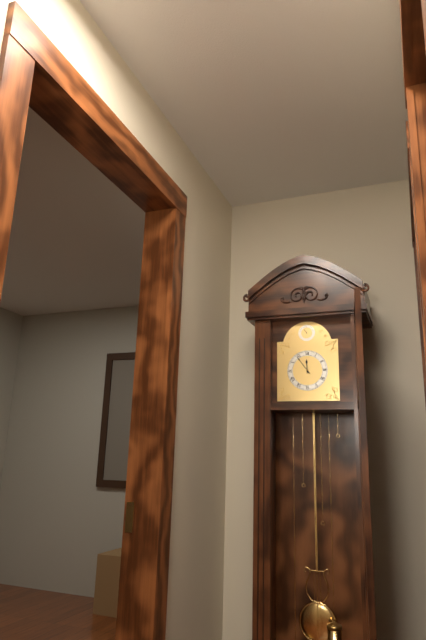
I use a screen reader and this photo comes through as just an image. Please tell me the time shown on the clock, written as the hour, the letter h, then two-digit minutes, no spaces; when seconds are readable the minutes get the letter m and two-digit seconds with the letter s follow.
11h54
